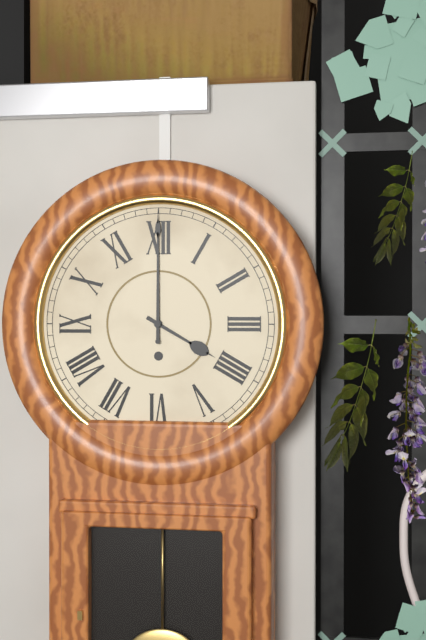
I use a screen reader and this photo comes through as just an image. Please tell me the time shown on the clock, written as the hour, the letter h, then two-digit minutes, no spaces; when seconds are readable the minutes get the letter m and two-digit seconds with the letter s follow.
4h00
